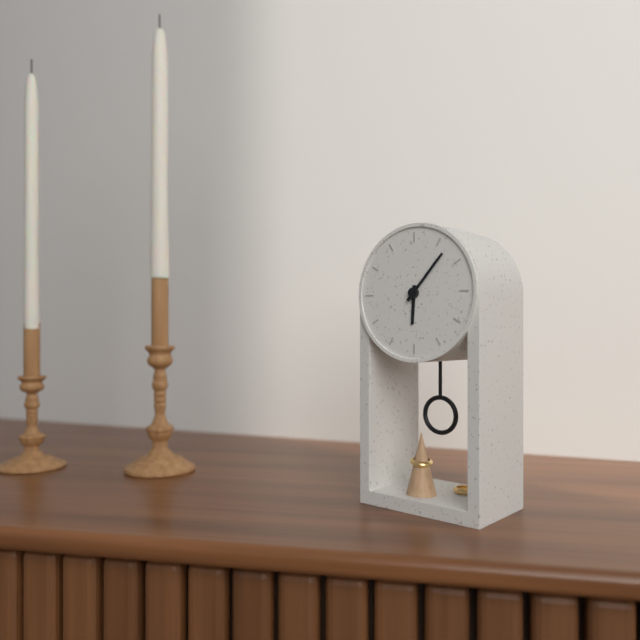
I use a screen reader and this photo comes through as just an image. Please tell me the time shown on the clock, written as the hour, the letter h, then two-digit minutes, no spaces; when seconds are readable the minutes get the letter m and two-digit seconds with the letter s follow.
6h07
